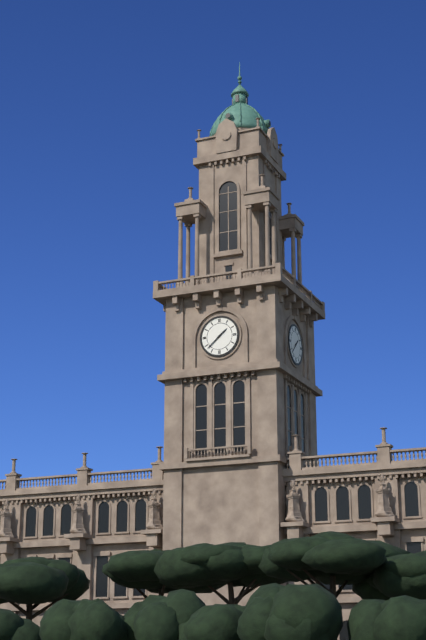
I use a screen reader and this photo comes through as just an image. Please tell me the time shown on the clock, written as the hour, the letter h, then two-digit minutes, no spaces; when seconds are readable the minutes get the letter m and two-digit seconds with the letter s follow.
1h38
